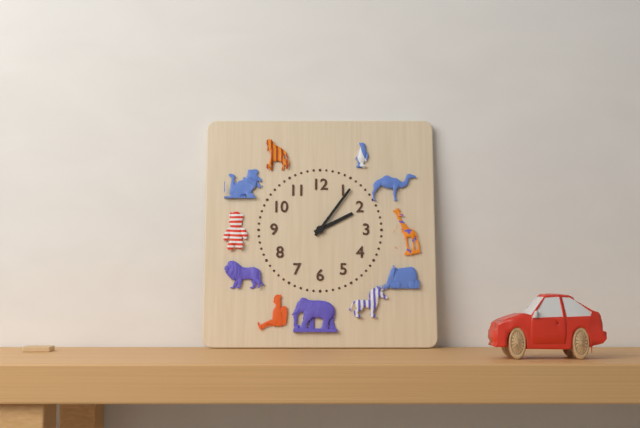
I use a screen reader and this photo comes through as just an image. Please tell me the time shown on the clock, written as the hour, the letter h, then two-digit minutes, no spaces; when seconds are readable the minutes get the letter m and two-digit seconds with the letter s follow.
2h06
